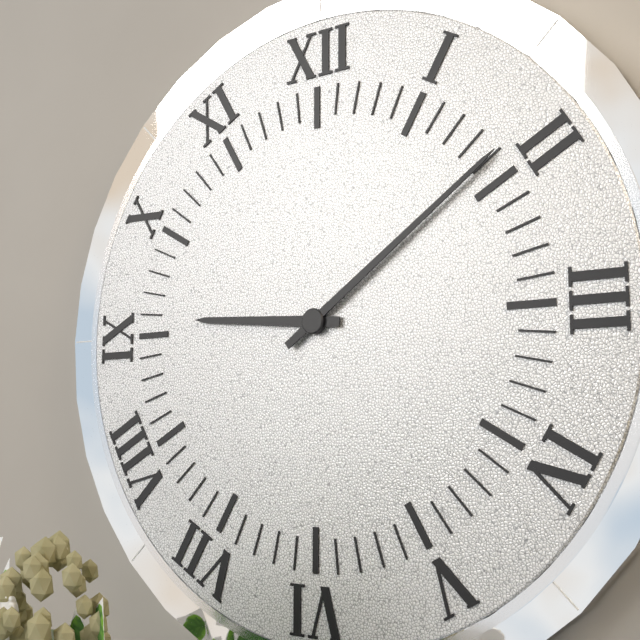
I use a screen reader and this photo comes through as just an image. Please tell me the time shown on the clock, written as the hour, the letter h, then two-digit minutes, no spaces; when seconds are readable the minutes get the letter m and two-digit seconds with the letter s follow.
9h09
